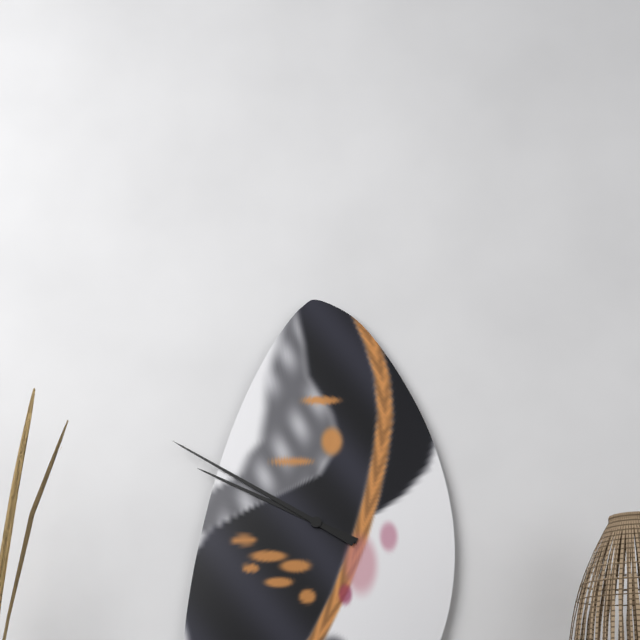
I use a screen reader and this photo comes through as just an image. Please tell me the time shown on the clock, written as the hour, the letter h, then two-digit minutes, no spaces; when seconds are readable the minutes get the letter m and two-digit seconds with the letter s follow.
9h50
